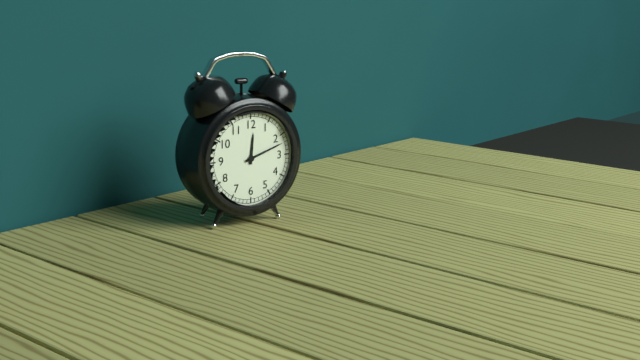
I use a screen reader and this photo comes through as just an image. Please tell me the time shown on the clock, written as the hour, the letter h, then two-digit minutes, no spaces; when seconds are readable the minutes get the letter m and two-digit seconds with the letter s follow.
12h12
